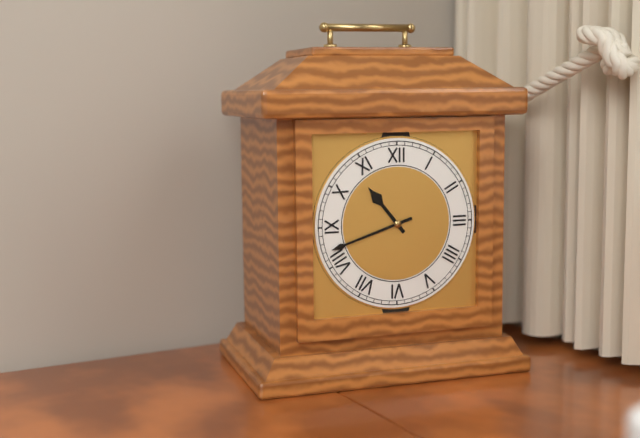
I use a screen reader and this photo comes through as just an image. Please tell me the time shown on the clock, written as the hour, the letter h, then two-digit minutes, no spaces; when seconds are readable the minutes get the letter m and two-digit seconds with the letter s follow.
10h42
